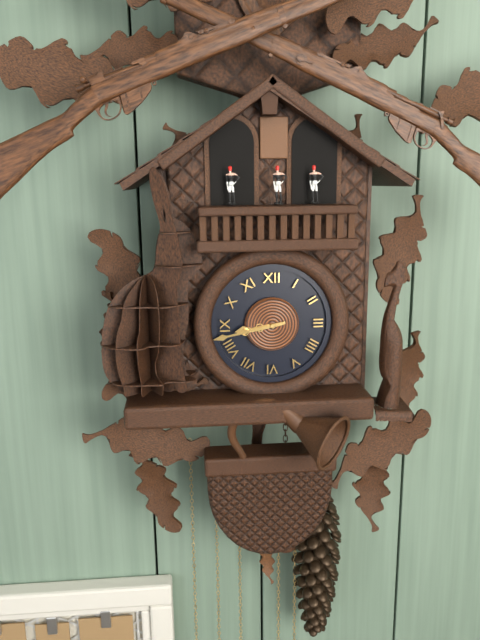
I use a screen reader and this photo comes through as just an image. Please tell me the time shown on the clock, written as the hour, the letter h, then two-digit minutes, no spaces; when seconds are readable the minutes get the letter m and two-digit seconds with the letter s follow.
8h43
